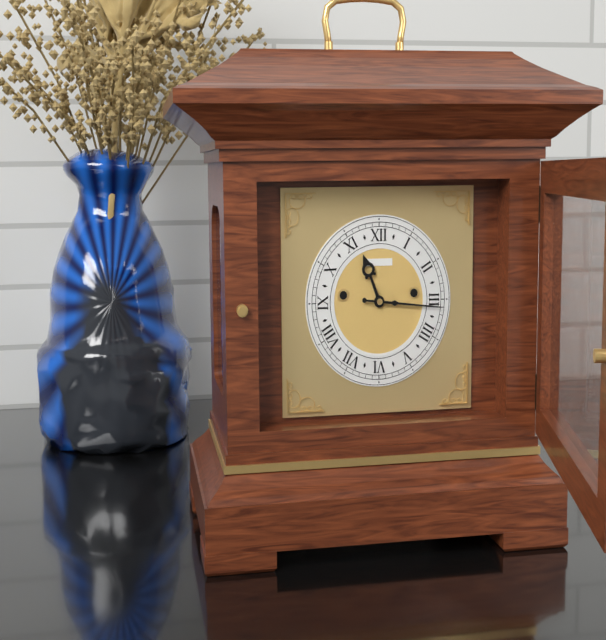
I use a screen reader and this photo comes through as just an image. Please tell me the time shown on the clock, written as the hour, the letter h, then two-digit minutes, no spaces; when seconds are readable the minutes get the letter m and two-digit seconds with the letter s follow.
11h16
